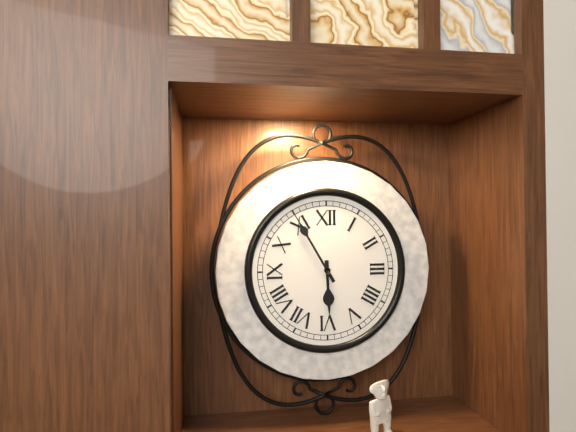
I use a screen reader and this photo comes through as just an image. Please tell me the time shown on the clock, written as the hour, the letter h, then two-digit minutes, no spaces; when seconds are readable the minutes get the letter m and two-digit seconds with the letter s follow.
5h55
